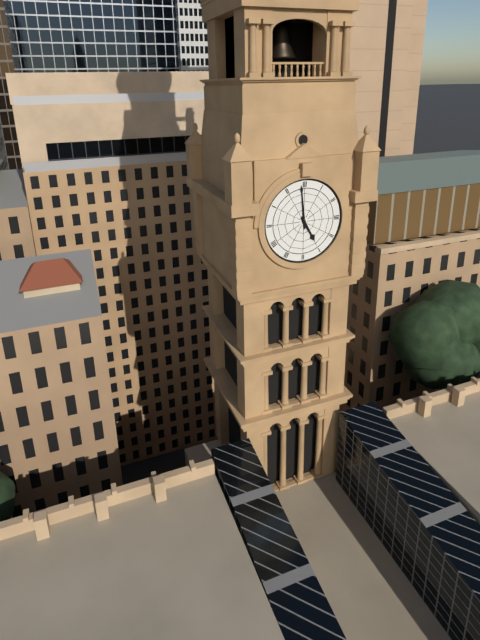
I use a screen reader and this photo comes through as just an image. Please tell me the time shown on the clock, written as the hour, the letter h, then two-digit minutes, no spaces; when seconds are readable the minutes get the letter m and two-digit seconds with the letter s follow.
4h59
